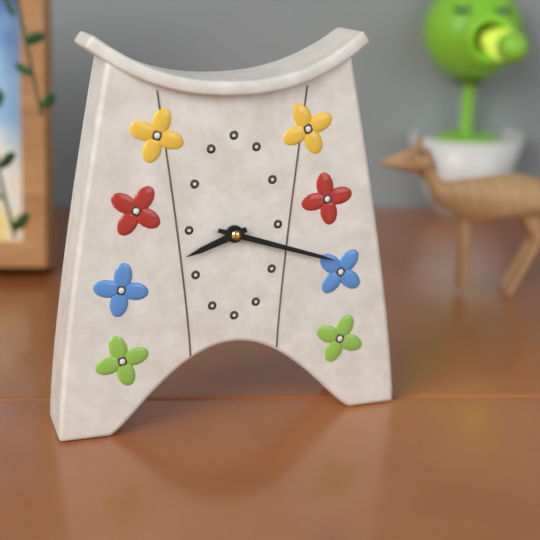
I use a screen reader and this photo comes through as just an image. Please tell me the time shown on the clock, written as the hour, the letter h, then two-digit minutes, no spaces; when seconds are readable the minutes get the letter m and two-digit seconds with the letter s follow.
8h18
